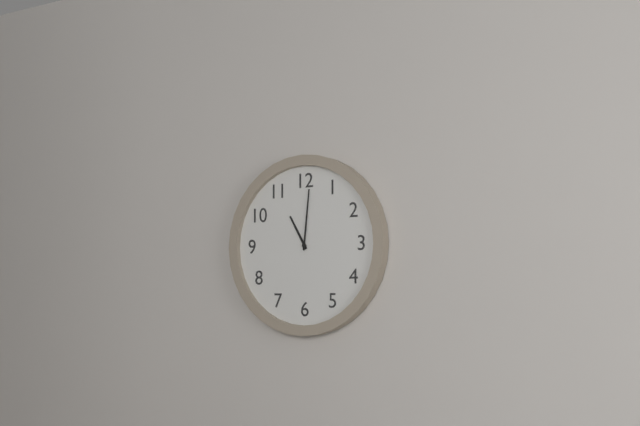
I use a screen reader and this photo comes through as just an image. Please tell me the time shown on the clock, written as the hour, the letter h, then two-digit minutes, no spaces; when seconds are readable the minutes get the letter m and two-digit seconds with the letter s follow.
11h01
